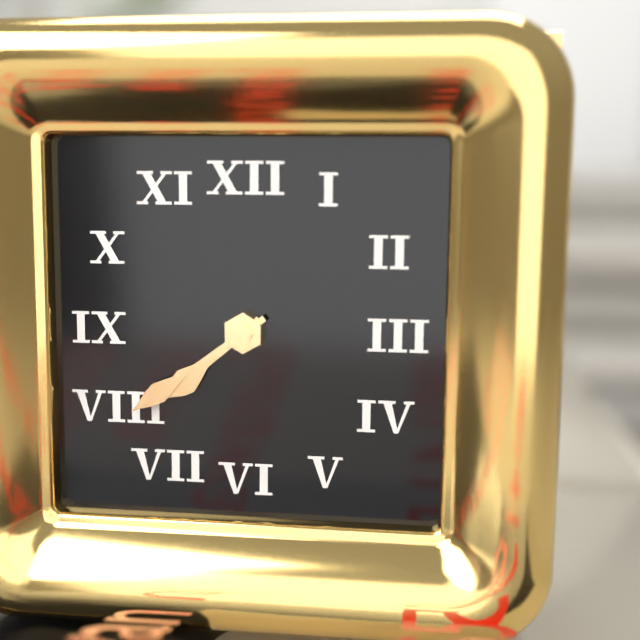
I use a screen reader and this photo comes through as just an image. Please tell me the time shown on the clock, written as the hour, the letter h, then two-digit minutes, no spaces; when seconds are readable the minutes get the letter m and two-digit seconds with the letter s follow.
7h39
